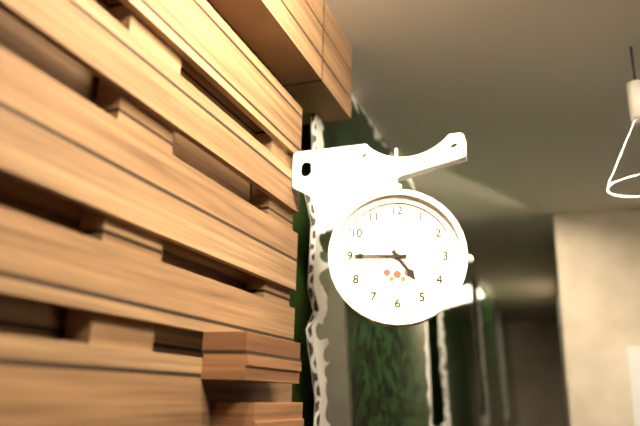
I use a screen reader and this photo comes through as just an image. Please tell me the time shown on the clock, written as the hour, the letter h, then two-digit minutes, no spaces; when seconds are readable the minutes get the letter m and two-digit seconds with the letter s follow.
4h45
